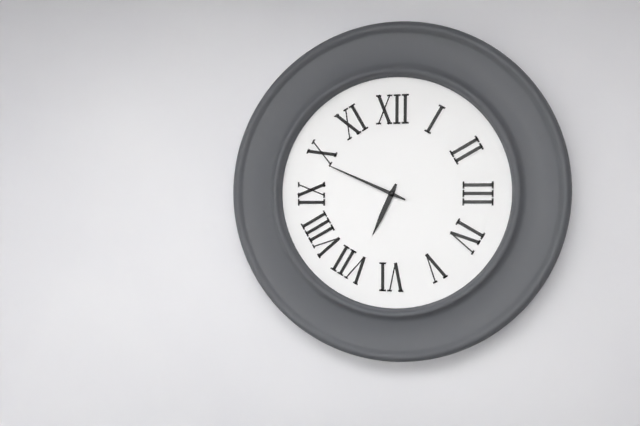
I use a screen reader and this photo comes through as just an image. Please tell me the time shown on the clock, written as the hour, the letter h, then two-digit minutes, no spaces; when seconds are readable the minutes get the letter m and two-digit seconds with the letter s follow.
6h49
